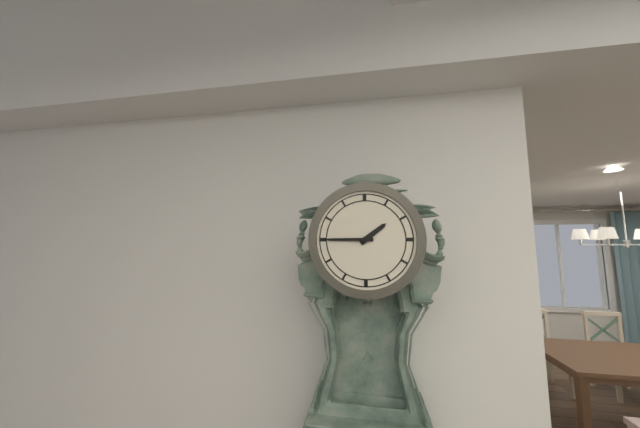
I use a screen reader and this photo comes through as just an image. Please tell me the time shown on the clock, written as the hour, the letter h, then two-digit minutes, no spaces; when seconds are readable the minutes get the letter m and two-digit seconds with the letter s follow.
1h45
